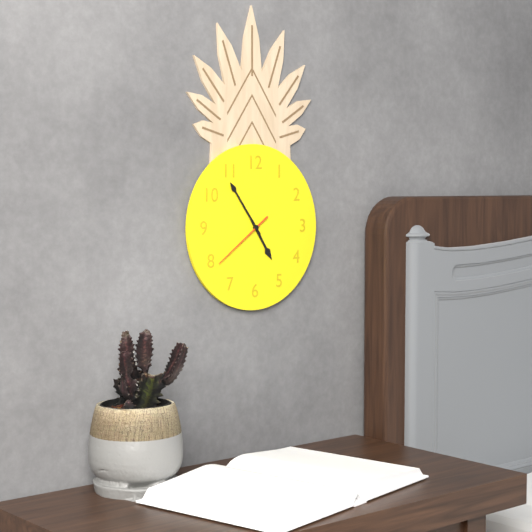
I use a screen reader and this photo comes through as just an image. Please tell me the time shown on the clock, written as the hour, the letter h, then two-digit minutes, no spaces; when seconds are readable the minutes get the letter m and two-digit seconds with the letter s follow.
4h54m39s
